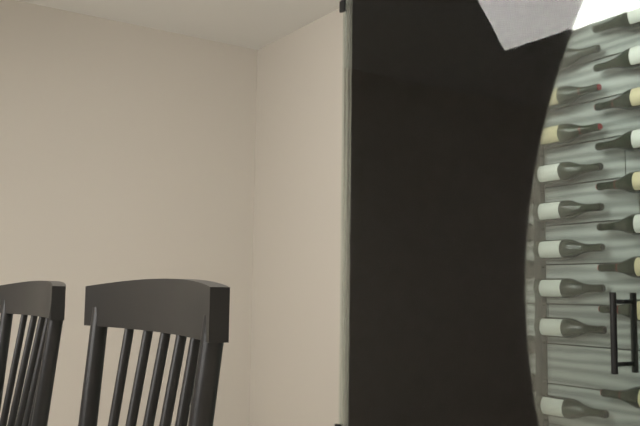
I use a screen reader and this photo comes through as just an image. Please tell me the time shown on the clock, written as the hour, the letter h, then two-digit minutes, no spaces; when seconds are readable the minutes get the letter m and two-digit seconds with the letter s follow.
11h22
